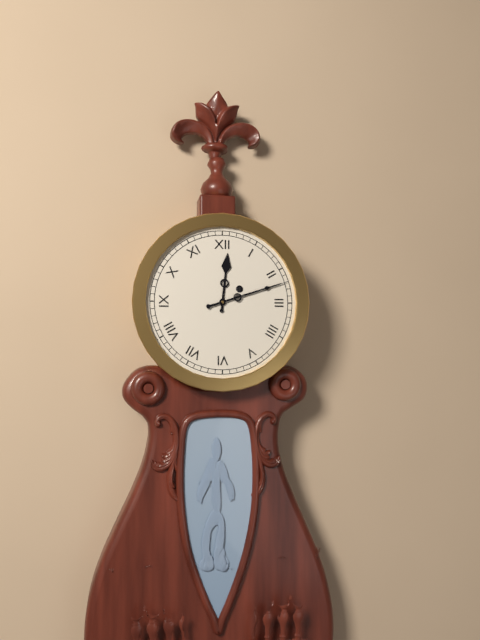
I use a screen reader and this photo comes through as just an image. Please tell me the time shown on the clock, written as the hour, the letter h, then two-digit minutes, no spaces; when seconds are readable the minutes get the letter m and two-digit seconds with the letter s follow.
12h12
